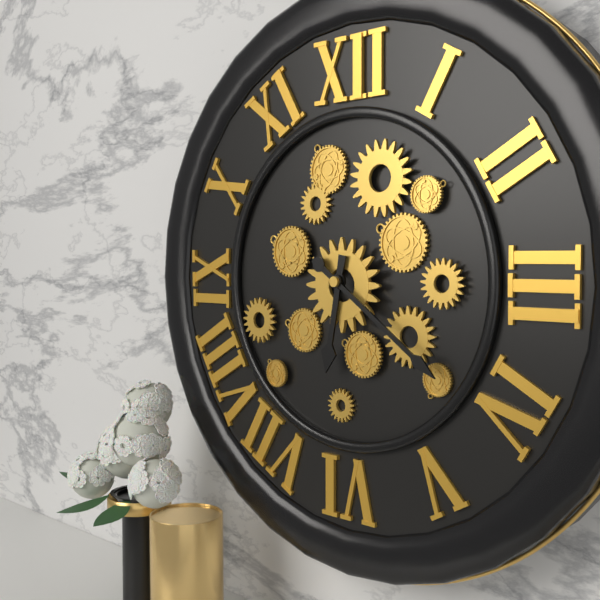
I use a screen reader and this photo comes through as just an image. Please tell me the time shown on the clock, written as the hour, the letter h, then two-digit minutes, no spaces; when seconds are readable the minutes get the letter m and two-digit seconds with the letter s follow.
6h21
